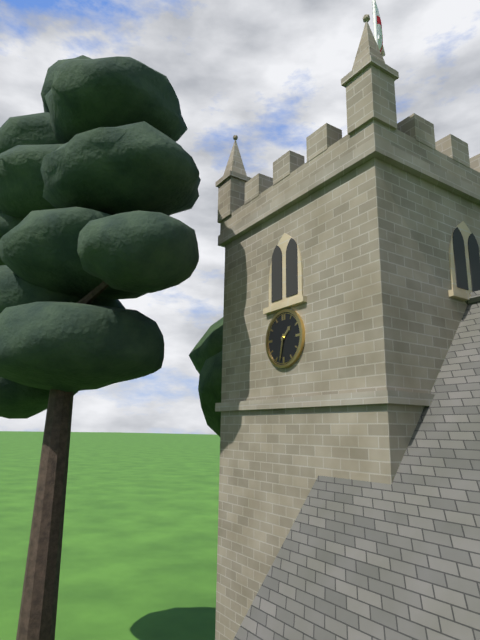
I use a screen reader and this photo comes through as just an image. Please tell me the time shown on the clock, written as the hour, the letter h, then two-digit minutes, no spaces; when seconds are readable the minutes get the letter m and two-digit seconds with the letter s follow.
1h32
